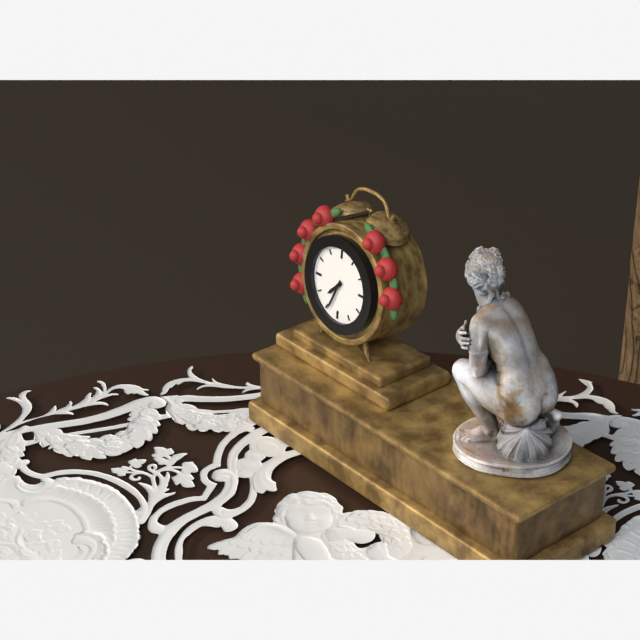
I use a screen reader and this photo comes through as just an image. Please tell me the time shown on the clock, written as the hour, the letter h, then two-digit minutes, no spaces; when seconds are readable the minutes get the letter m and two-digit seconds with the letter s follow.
7h34
